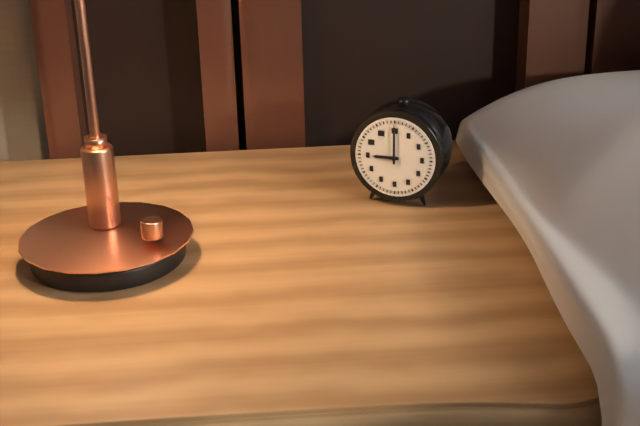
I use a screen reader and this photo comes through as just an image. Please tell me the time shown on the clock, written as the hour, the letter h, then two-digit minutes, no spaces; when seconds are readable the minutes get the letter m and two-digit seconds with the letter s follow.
9h00
